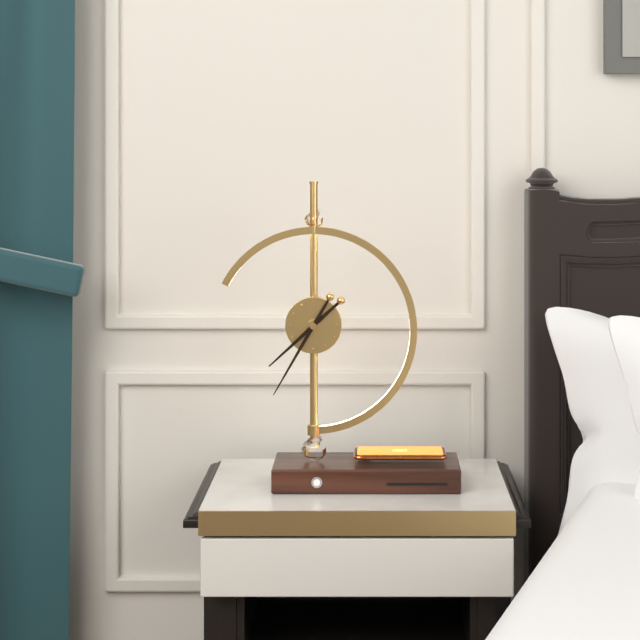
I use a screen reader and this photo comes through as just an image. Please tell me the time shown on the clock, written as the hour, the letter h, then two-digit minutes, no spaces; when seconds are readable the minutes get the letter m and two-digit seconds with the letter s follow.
7h35
